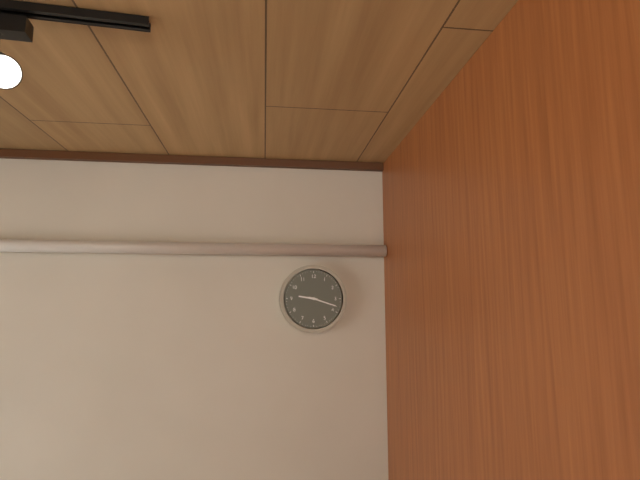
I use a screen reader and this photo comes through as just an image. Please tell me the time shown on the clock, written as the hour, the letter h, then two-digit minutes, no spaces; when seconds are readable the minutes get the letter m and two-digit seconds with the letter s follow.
9h18
